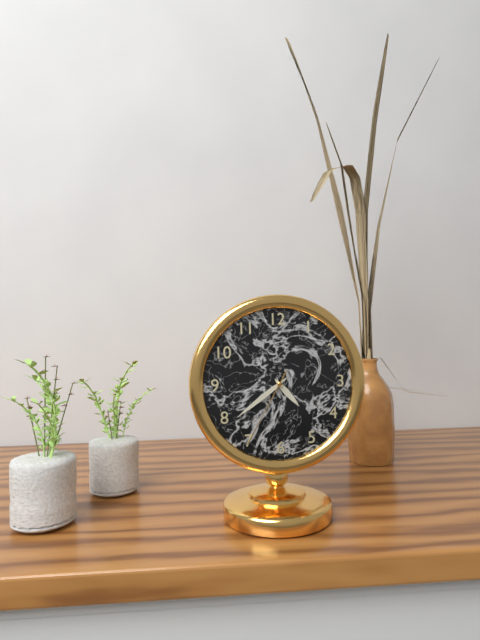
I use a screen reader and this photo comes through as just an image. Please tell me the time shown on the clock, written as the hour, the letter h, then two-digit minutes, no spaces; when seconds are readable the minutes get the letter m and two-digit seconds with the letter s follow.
4h39m35s
